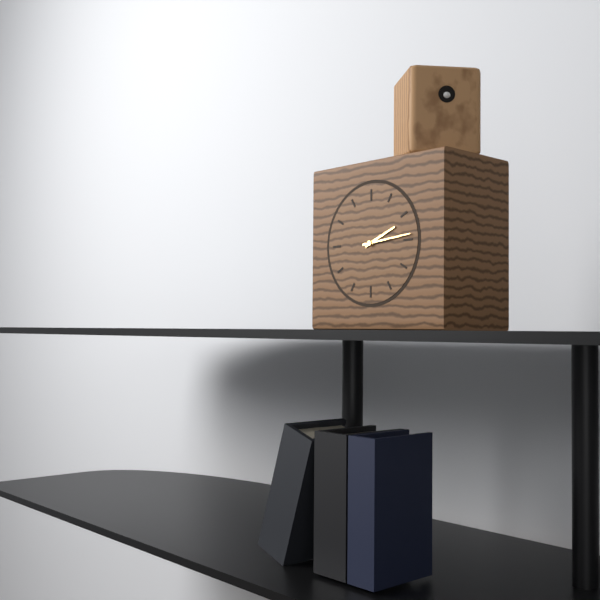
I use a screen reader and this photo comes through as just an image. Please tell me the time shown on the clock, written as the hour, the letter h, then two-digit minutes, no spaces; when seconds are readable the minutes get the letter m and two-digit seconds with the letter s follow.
2h14
